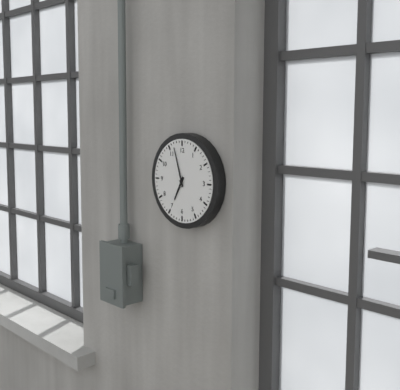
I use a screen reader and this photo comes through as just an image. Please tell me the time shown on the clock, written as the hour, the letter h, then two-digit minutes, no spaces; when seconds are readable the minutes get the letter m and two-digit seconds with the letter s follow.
6h57
